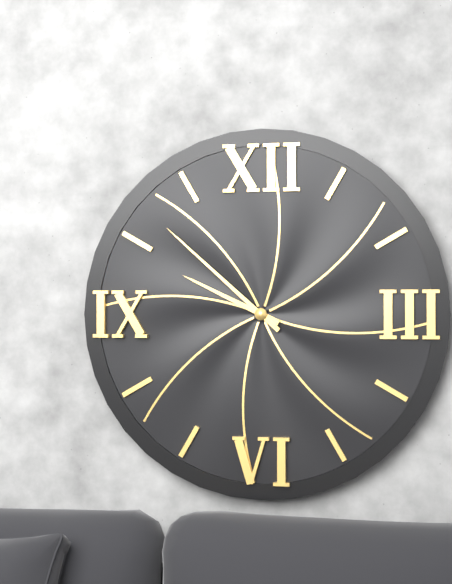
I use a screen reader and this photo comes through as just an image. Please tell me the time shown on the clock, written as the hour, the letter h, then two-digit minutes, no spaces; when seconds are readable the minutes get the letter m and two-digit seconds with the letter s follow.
9h52
